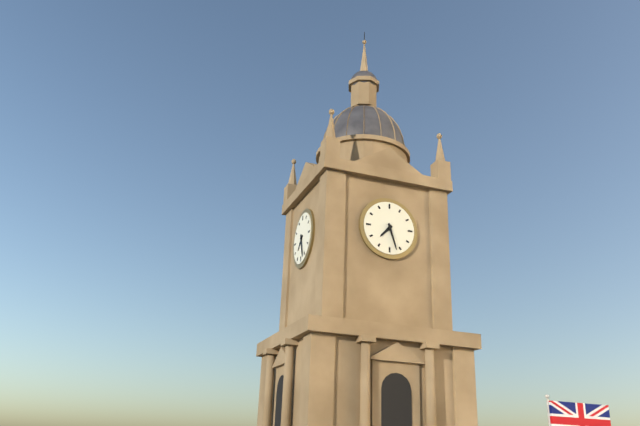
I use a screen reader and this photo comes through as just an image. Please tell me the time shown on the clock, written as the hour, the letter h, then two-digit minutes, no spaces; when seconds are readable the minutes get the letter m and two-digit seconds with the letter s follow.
7h27
